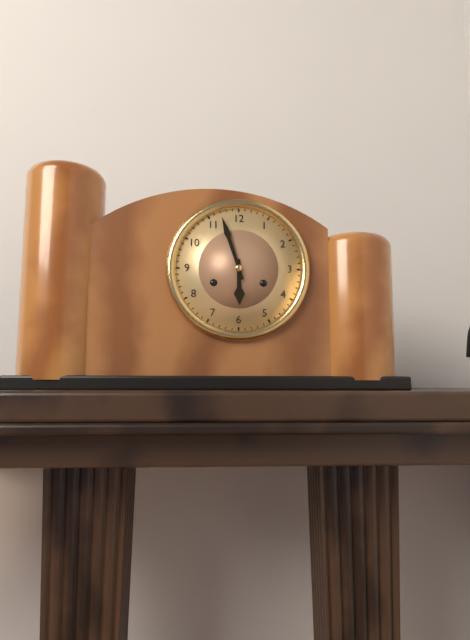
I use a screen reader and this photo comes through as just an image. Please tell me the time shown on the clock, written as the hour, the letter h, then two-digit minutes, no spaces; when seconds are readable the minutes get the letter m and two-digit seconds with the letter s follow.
5h57
